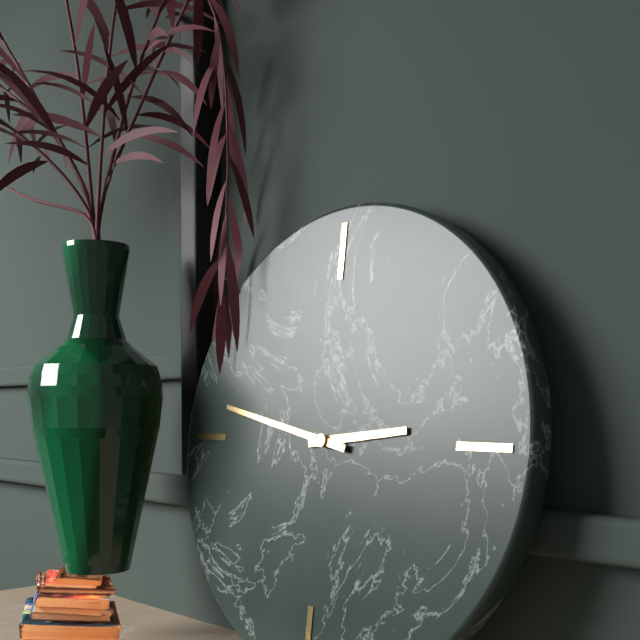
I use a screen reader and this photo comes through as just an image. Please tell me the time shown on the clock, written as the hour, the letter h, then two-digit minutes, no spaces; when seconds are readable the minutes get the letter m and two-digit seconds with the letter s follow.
2h47
